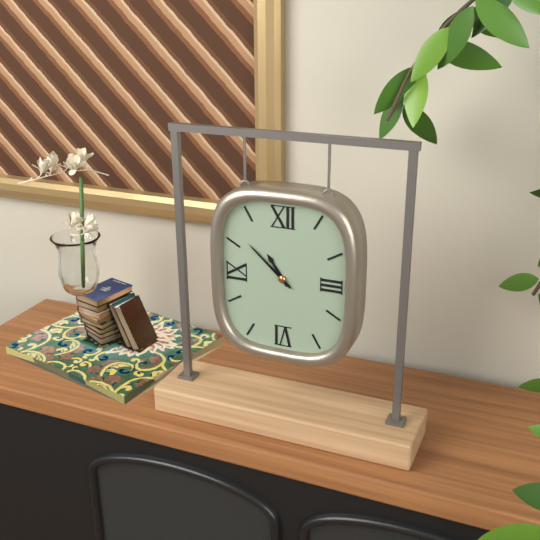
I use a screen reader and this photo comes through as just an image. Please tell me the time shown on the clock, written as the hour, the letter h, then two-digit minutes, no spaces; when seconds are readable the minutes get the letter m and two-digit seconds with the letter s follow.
10h52
